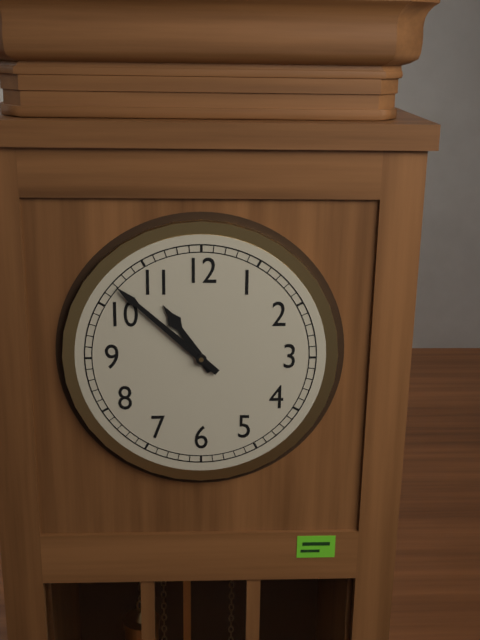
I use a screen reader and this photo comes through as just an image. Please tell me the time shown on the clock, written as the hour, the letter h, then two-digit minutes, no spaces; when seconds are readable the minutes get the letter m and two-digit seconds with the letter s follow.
10h52
